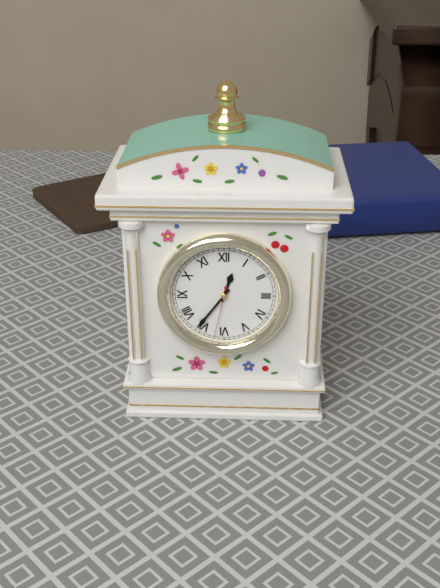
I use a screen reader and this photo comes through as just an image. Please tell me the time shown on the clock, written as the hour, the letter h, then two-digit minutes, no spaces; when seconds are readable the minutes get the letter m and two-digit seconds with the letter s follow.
12h36m32s
